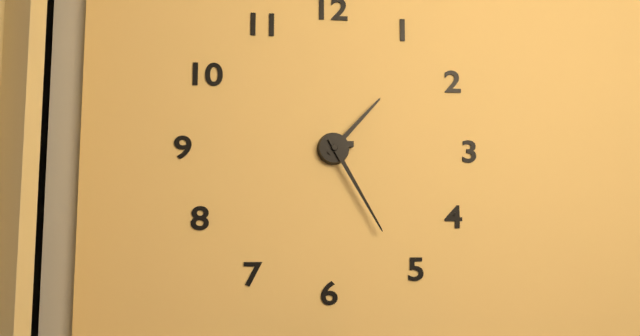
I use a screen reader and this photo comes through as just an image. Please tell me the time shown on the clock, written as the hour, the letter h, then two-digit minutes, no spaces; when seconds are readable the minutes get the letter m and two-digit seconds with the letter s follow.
1h25
